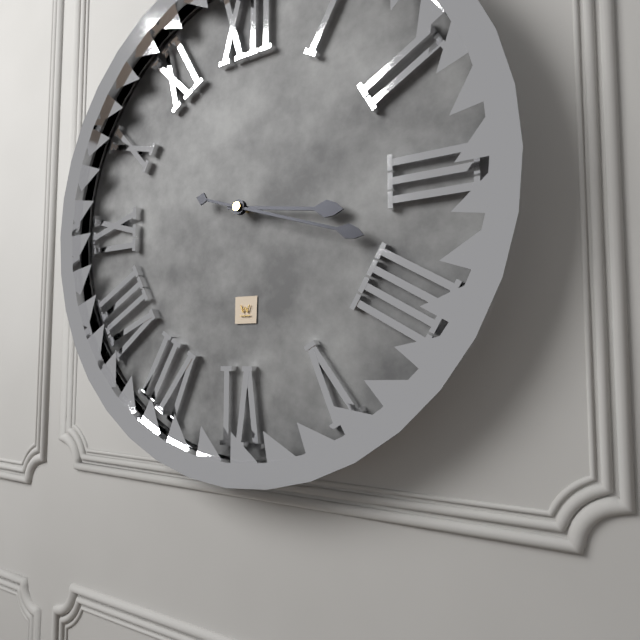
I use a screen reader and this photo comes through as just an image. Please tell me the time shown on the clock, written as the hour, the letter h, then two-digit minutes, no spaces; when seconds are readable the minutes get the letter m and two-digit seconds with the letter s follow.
3h18
